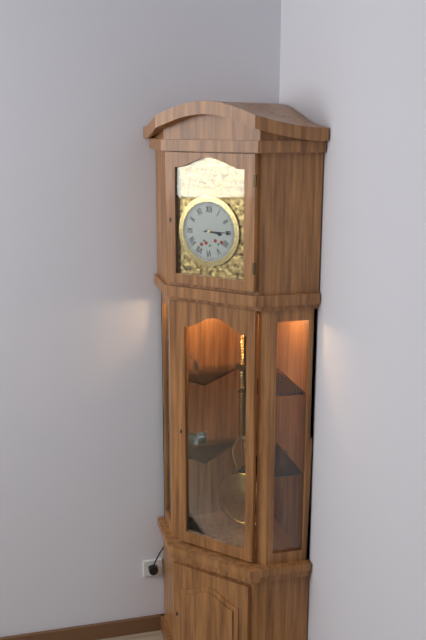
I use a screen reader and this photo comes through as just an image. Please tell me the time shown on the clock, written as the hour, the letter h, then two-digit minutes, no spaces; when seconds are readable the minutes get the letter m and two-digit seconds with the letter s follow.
3h15
